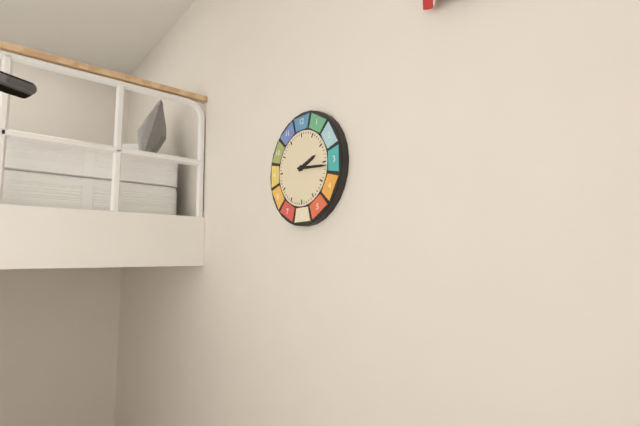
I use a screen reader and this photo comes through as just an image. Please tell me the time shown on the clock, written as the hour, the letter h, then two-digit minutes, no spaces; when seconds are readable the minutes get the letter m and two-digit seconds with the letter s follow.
2h16
